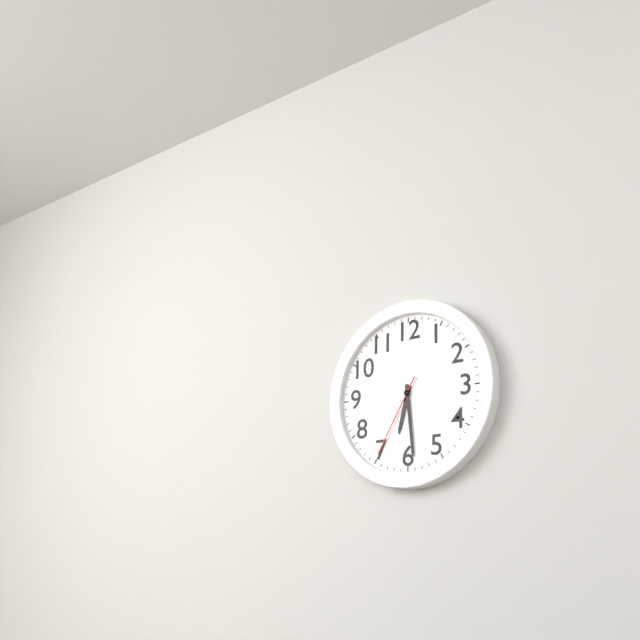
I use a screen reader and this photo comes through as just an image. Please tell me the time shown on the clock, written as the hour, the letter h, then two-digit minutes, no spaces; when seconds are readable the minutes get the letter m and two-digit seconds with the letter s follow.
6h29m35s
